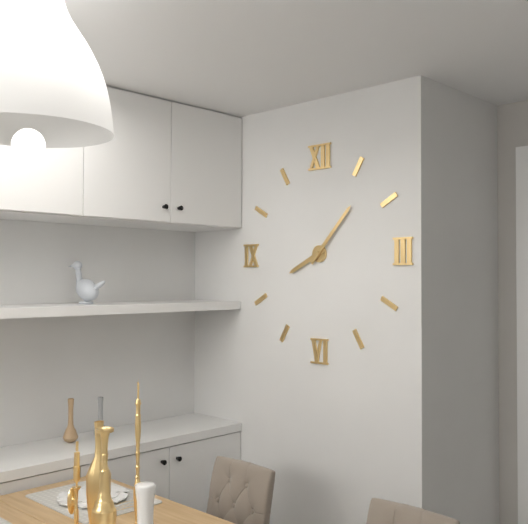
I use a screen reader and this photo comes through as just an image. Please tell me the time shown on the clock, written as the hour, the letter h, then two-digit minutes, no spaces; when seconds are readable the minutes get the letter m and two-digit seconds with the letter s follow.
8h07
